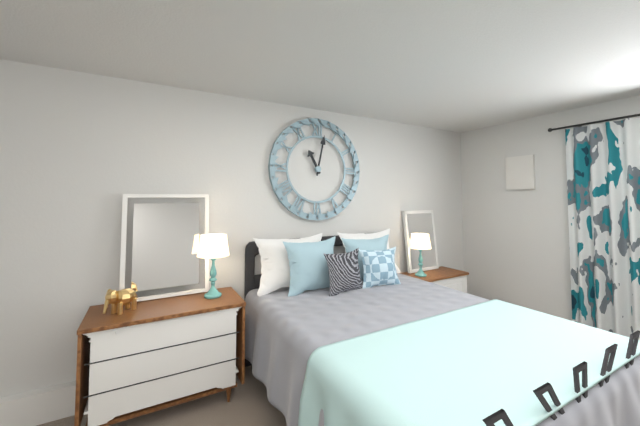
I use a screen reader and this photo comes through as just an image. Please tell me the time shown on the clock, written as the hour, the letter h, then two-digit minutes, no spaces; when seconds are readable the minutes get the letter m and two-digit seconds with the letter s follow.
11h02
